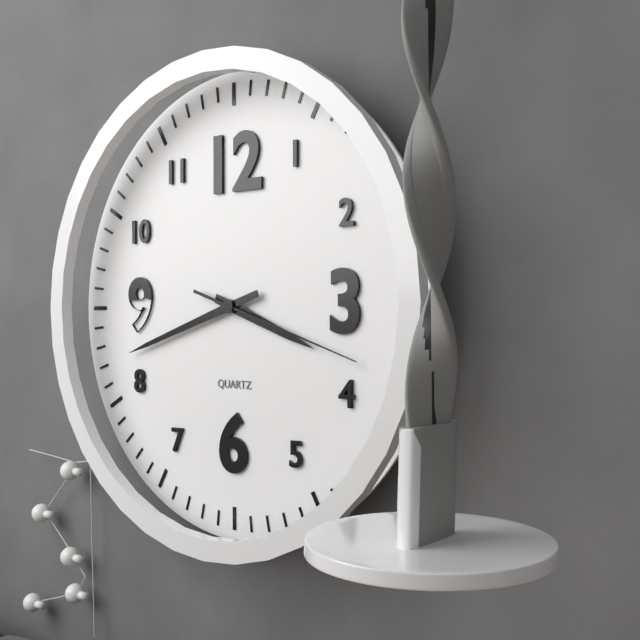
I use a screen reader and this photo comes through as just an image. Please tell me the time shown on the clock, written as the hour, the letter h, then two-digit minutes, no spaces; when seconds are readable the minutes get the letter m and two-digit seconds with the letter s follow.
3h42m18s
